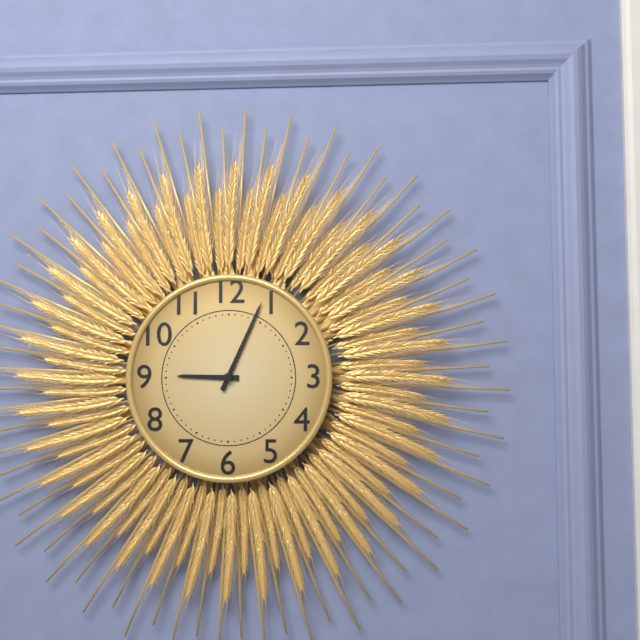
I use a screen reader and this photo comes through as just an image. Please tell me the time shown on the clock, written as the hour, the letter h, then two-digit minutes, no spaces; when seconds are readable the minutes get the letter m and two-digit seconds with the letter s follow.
9h04
